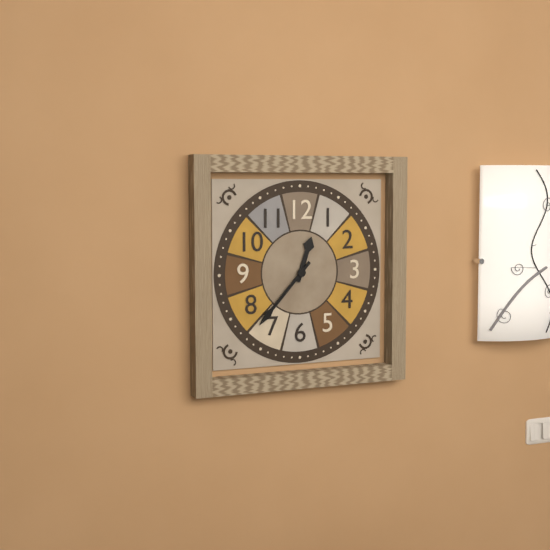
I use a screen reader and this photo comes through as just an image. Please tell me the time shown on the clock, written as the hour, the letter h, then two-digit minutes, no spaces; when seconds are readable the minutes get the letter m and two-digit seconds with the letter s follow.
12h37
